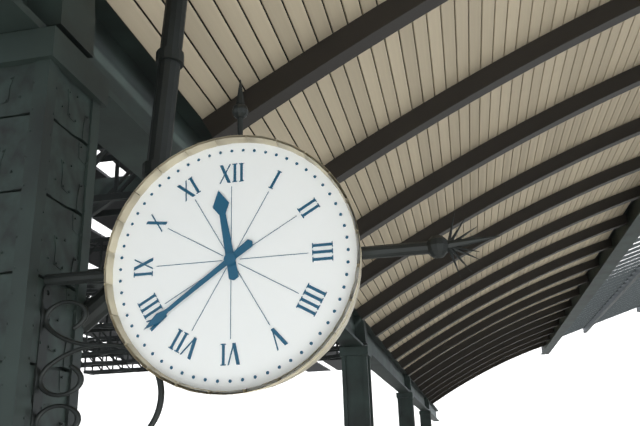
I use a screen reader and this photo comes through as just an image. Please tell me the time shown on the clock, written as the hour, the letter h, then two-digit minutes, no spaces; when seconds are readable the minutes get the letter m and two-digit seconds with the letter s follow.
11h39
